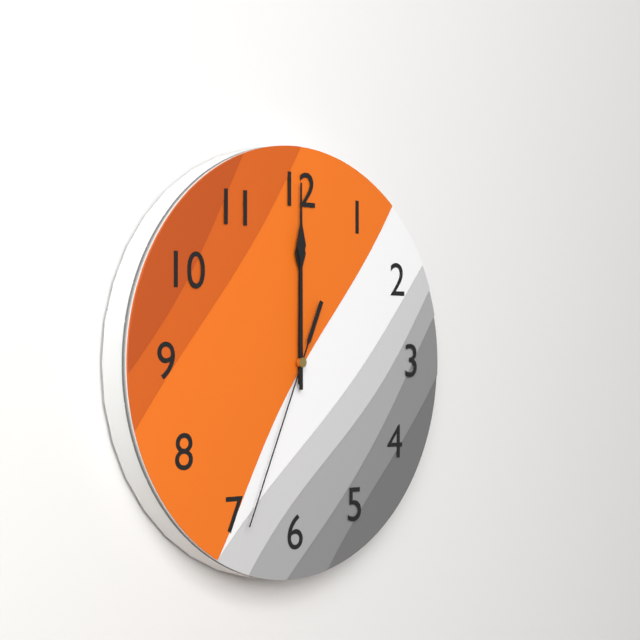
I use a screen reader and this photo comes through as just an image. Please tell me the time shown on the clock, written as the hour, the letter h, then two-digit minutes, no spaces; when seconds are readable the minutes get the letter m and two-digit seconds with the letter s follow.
12h00m34s
